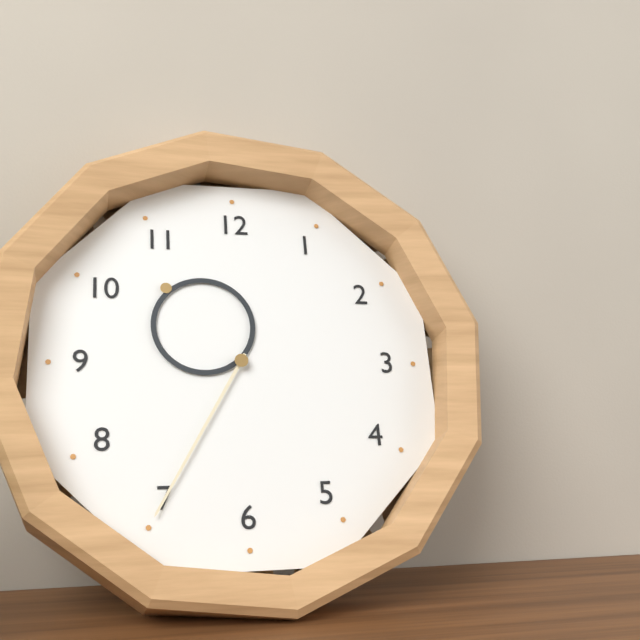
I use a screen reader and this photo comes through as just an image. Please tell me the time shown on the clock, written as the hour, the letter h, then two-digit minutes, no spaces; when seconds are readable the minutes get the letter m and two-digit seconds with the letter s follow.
10h35
